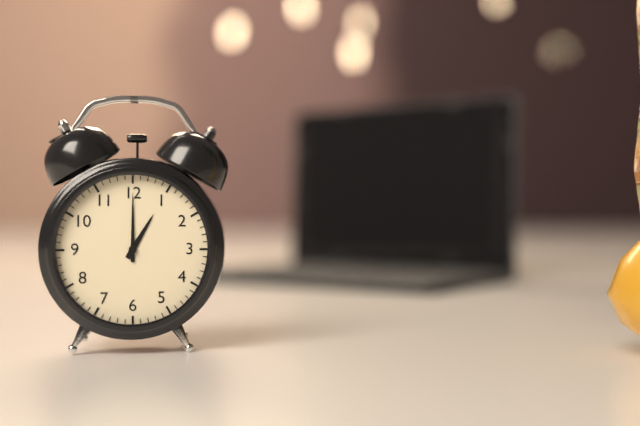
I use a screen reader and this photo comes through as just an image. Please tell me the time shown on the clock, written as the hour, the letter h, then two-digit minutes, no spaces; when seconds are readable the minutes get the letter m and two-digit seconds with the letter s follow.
1h00
